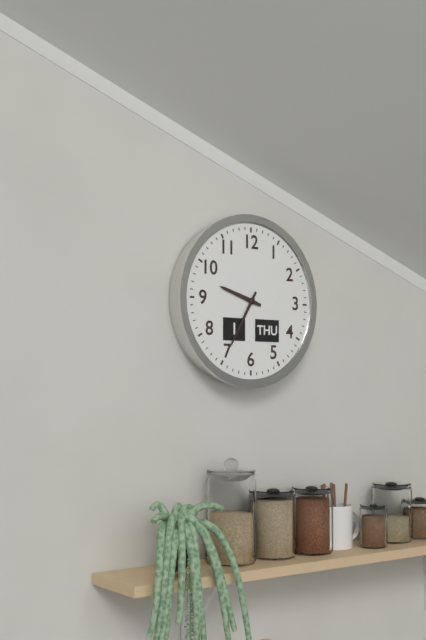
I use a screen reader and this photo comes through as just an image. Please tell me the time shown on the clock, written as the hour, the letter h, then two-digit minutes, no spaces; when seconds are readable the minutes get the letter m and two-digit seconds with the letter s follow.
9h35
